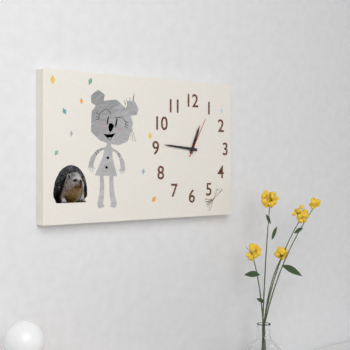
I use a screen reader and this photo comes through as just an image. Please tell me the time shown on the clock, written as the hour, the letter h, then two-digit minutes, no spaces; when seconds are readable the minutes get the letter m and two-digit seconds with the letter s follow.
12h46
